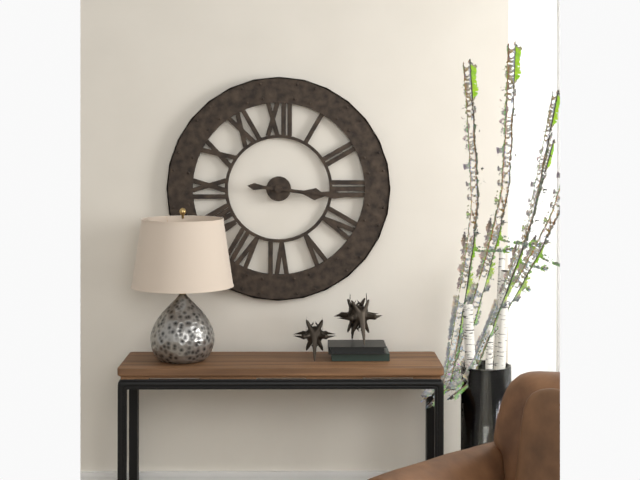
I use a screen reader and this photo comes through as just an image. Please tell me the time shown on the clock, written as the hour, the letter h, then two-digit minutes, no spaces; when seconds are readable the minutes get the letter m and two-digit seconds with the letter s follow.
3h16
